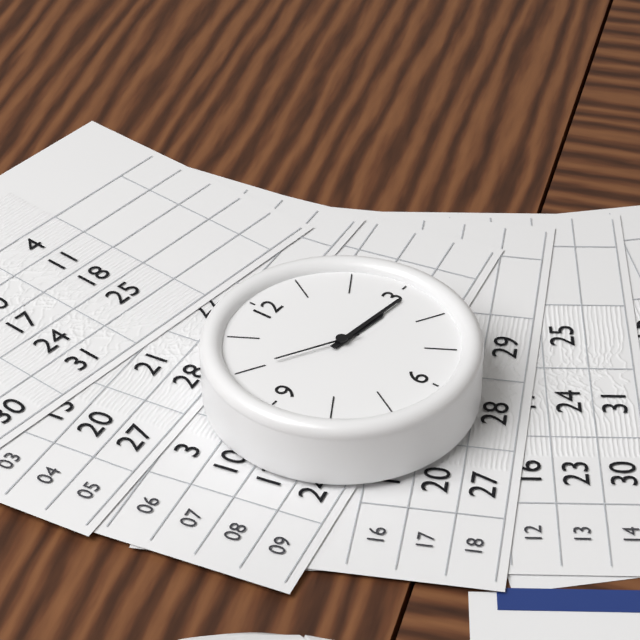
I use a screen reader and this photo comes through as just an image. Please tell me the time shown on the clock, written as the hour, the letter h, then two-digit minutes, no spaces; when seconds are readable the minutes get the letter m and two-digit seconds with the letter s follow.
3h16m50s
